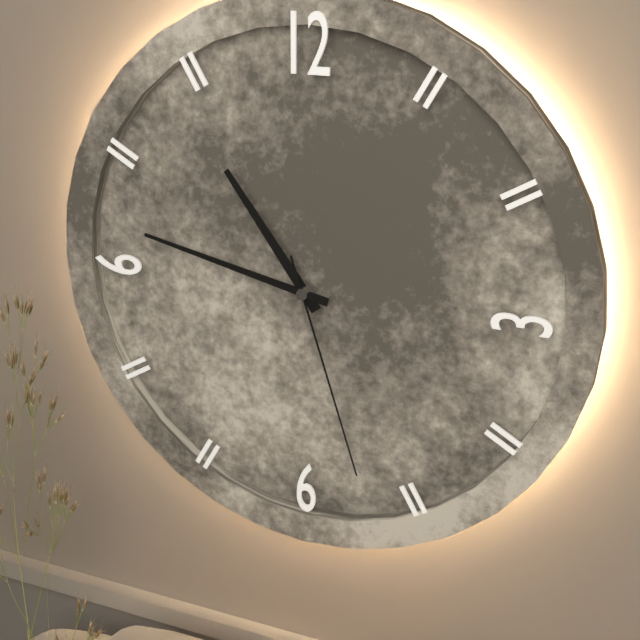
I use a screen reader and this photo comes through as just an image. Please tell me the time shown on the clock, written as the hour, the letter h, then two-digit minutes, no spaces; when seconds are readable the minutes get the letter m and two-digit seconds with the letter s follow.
10h47m27s
